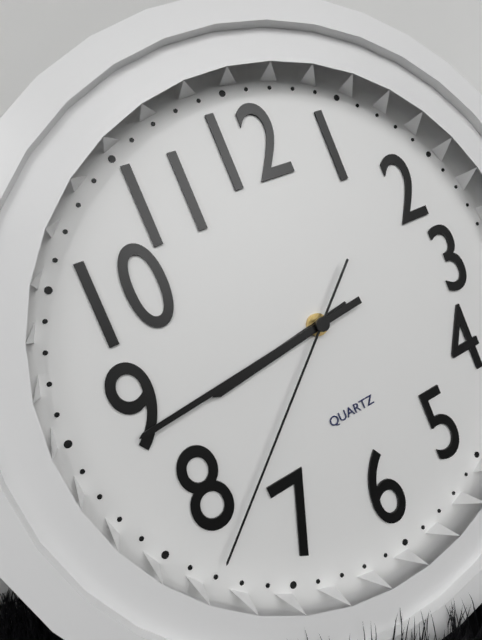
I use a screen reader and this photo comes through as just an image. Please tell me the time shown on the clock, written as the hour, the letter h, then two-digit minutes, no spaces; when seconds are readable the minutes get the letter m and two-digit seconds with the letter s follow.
8h44m38s
